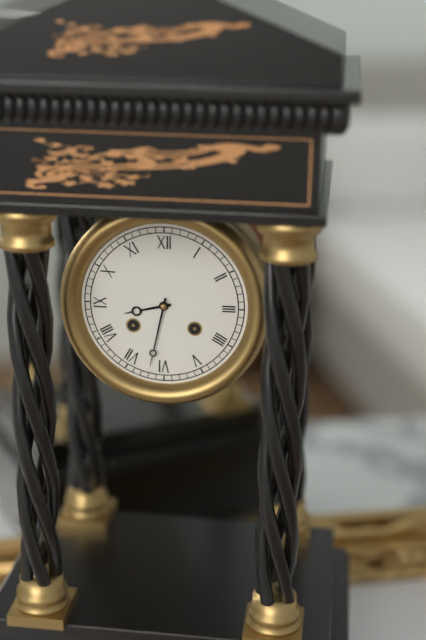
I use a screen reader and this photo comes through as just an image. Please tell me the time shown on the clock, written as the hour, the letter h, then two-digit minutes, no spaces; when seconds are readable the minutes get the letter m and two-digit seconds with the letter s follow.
8h32
